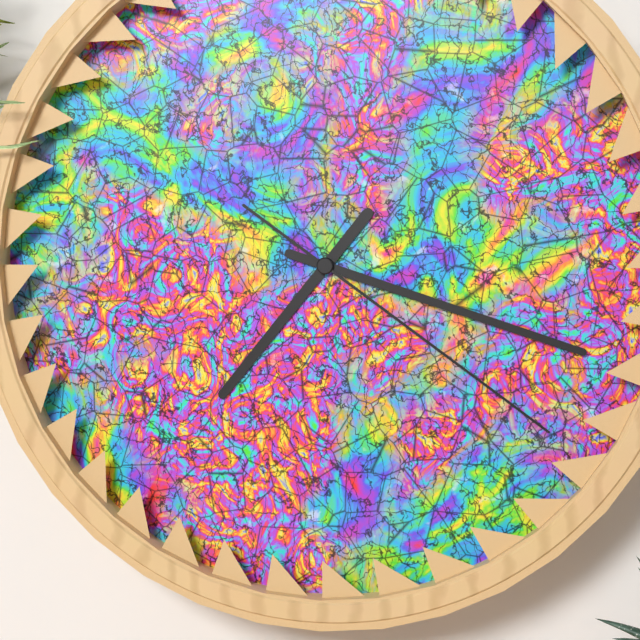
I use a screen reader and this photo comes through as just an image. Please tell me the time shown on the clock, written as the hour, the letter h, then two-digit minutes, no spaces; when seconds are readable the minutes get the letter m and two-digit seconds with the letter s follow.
7h18m21s
